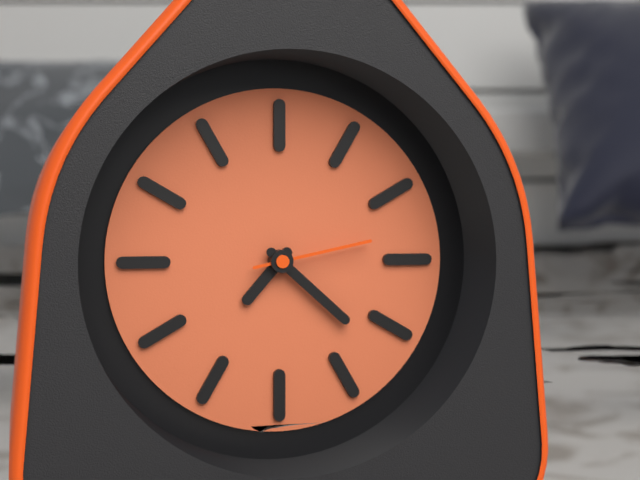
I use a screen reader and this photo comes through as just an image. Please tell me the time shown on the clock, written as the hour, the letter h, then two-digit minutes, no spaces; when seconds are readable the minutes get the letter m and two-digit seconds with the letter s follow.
7h22m13s
